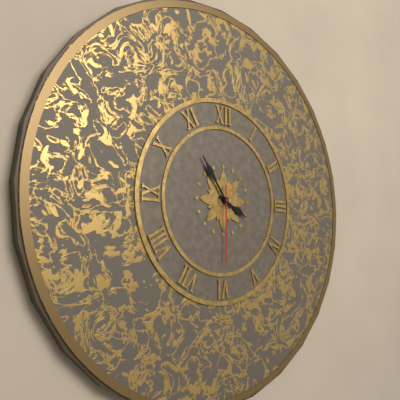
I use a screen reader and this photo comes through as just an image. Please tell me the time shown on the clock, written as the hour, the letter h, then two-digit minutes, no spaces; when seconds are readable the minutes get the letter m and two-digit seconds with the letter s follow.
3h54m30s
